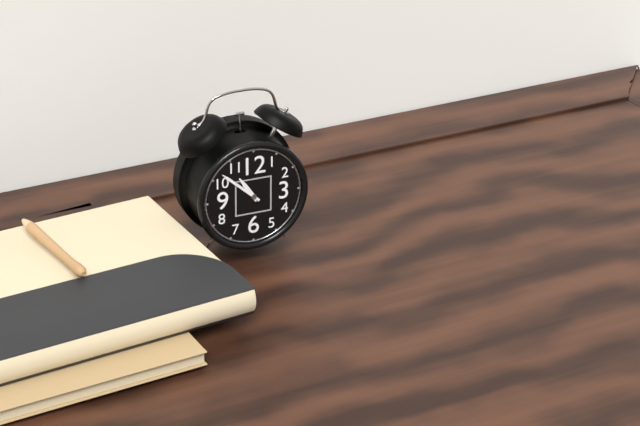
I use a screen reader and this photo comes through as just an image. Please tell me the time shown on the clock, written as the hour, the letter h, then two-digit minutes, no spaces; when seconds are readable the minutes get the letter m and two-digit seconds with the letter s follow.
10h52
